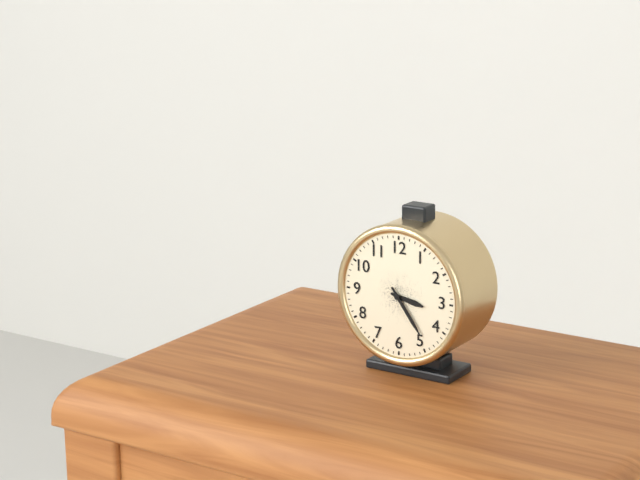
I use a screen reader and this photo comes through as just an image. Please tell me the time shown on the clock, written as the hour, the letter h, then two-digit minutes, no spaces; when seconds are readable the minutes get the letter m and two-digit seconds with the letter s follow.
3h24
